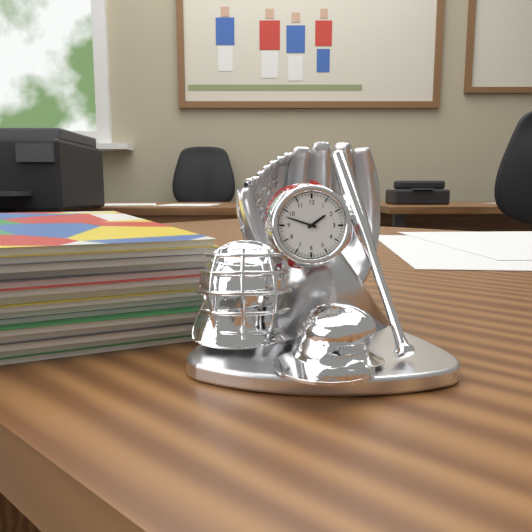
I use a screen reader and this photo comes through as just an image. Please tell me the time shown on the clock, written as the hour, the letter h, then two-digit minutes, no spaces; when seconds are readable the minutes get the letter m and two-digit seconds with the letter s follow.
1h48
